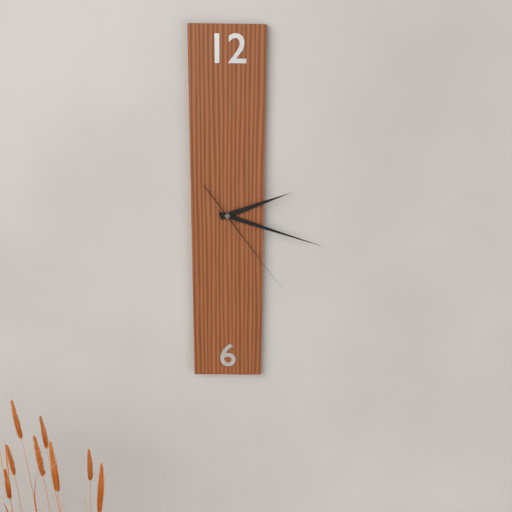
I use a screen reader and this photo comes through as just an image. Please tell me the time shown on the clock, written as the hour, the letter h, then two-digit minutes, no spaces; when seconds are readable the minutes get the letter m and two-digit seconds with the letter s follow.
2h18m24s
